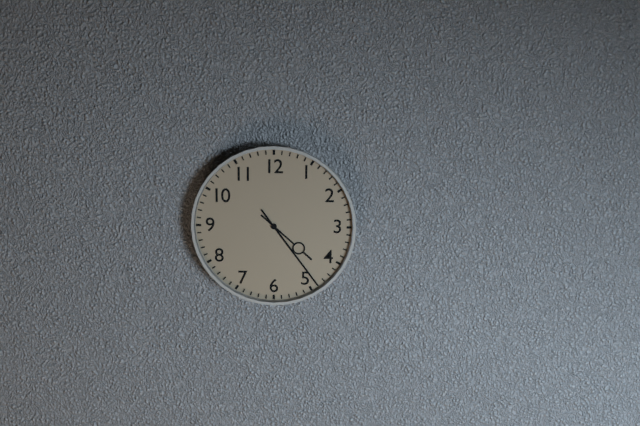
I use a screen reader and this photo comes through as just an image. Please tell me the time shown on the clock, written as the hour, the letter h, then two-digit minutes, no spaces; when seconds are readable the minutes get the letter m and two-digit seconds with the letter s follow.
4h24
